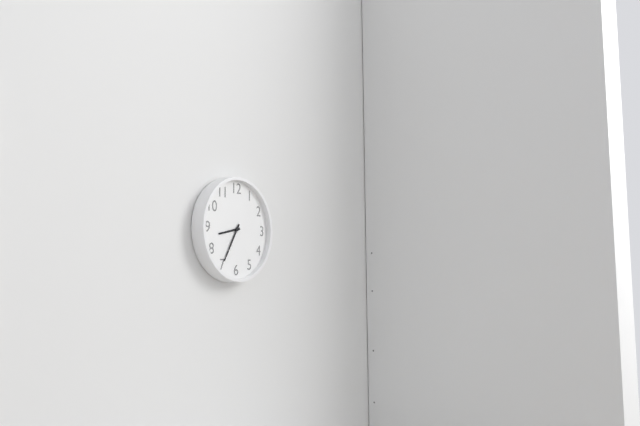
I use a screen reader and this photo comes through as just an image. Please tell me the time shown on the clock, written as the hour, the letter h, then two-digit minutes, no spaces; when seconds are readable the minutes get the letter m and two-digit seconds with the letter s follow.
8h35
